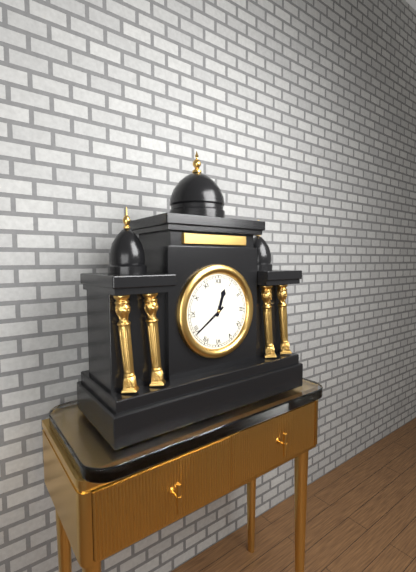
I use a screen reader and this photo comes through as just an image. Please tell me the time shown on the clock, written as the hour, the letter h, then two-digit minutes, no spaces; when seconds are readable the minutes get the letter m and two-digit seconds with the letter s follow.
12h39
